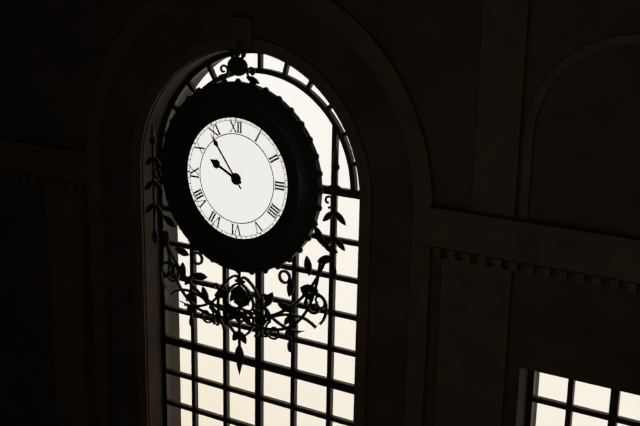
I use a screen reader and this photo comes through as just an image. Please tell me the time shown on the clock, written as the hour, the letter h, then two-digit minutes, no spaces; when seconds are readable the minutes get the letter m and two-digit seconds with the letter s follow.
9h54
